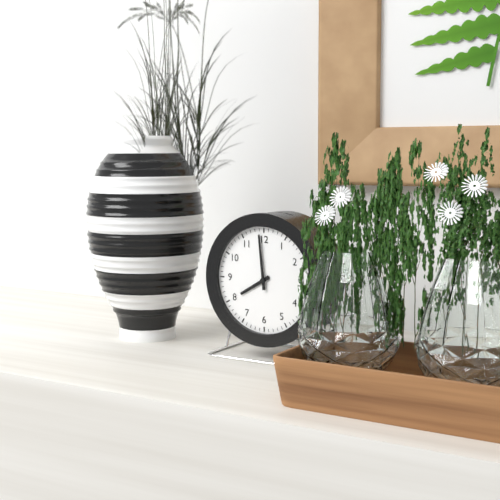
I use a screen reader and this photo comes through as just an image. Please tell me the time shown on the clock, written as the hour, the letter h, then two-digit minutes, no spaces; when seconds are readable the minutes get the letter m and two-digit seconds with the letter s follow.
7h59
